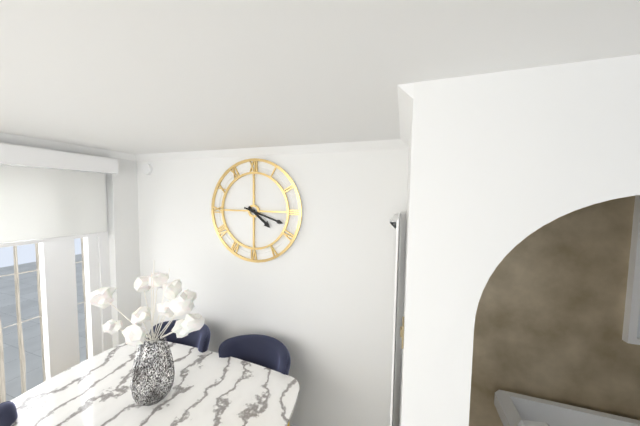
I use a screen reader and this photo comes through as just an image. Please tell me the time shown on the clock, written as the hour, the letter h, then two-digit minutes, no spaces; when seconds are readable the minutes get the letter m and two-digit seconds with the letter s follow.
4h18
